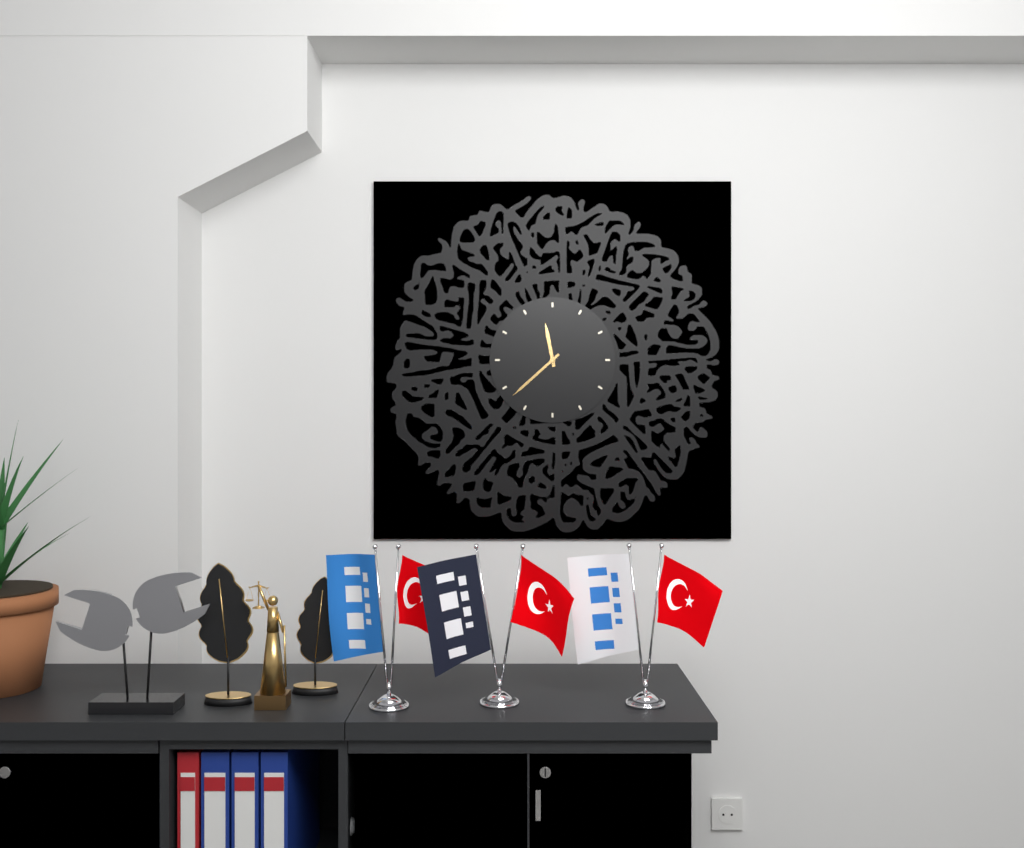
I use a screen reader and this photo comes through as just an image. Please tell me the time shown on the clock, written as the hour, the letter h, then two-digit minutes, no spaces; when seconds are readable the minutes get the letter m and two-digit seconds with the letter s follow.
11h38
